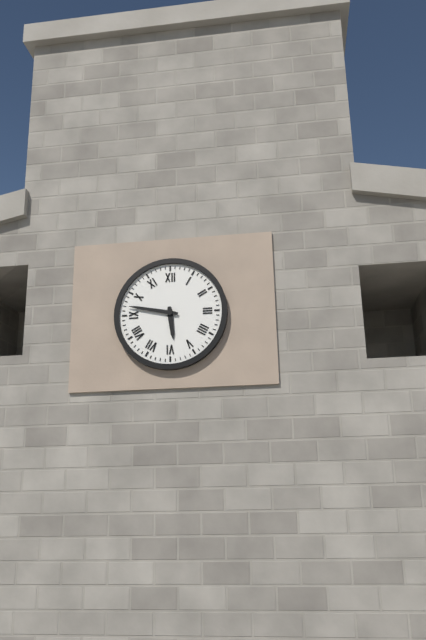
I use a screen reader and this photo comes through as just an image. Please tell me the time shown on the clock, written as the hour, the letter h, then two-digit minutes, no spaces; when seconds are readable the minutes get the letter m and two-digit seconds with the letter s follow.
5h47
